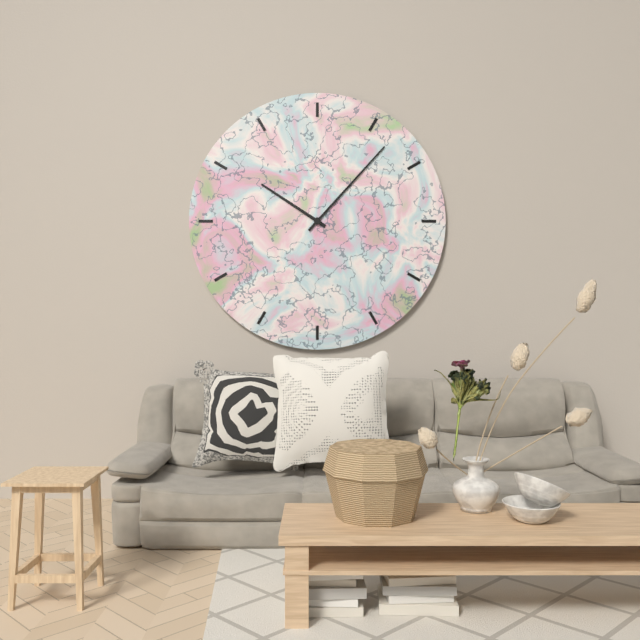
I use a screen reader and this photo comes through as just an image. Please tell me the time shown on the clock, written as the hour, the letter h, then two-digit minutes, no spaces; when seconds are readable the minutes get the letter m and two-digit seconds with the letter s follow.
10h07
